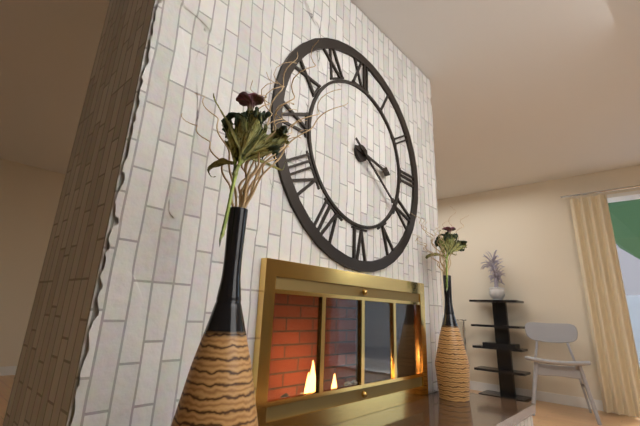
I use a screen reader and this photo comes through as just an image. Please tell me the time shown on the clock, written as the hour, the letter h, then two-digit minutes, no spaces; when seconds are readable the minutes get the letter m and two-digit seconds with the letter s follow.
3h21
